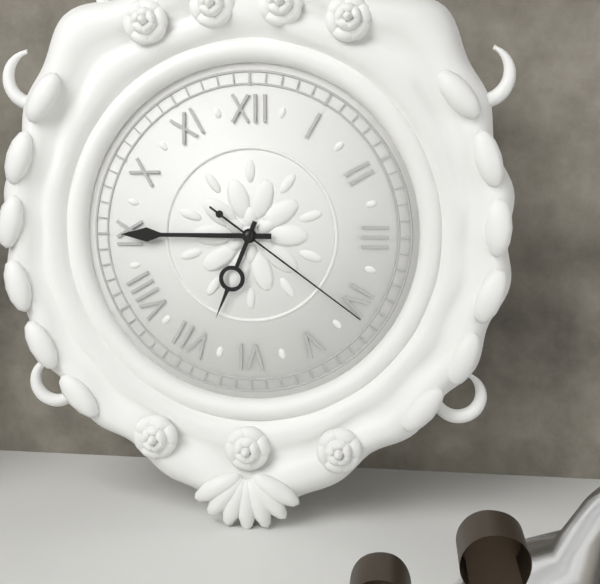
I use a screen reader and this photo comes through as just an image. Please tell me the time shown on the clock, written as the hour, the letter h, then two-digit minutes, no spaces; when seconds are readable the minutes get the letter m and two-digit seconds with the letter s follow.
6h45m21s
